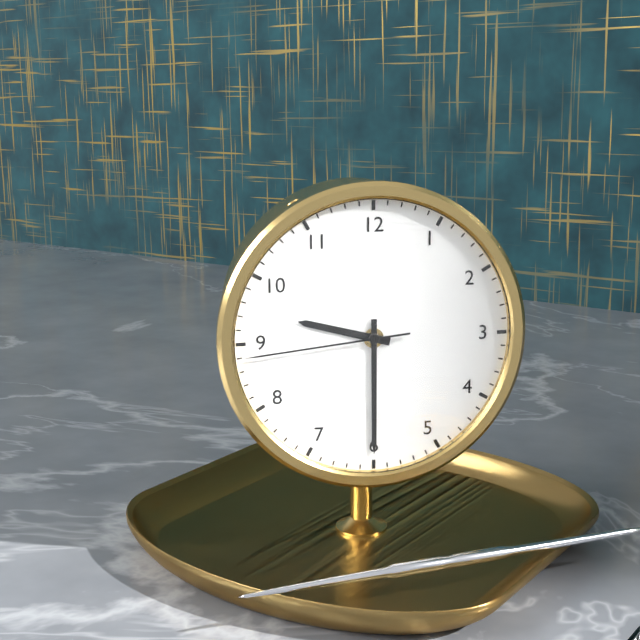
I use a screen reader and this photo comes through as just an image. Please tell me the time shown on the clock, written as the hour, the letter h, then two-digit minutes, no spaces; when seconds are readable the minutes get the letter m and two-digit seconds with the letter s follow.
9h30m44s
